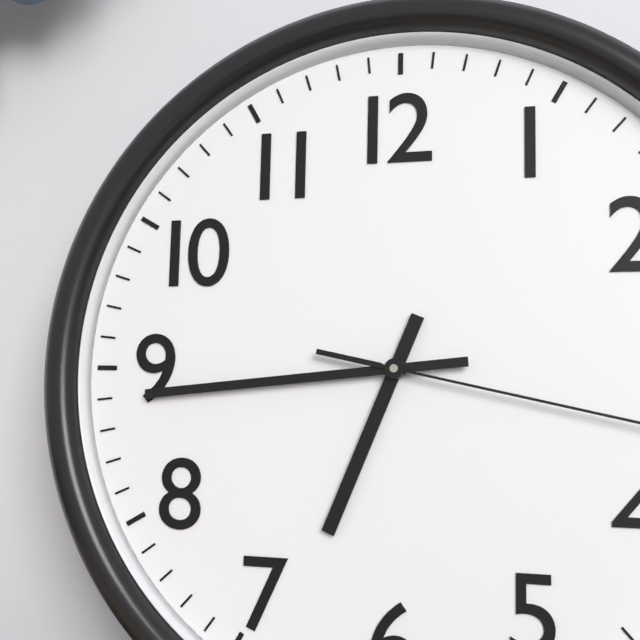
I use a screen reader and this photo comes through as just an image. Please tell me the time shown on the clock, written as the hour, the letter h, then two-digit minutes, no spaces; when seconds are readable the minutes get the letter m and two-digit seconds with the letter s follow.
6h44
